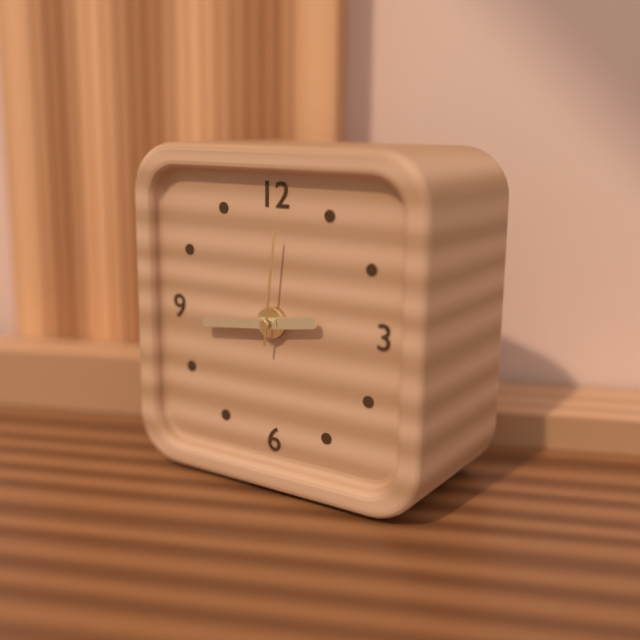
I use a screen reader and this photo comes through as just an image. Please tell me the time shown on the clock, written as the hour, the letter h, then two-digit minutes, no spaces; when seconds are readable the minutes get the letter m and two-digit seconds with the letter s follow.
2h44m01s
